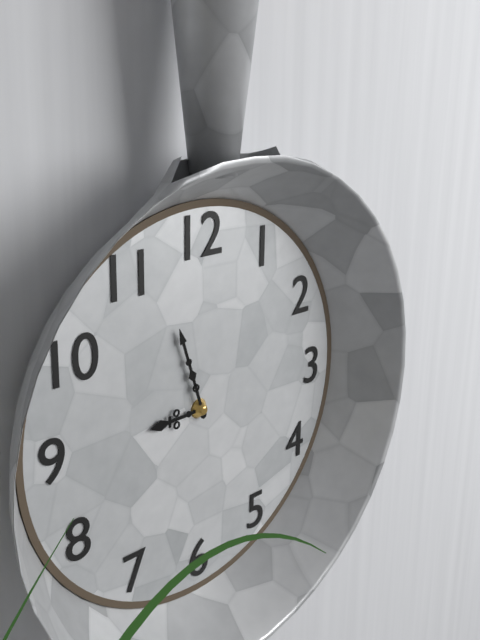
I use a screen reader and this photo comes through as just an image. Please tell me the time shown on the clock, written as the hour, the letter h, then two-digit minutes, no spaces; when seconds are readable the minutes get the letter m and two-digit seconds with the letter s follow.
8h57
